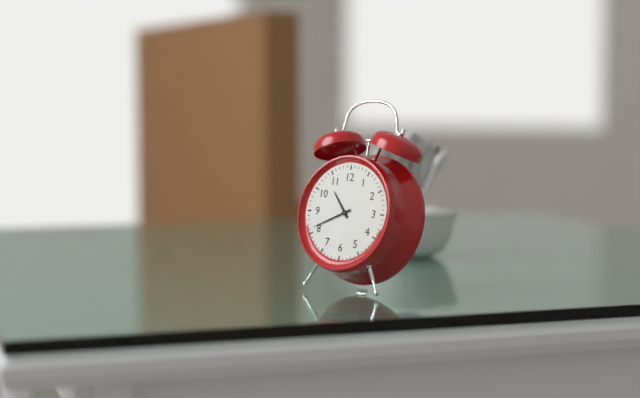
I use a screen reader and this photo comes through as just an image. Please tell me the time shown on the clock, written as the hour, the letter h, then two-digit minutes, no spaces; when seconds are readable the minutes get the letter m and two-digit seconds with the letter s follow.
10h41
